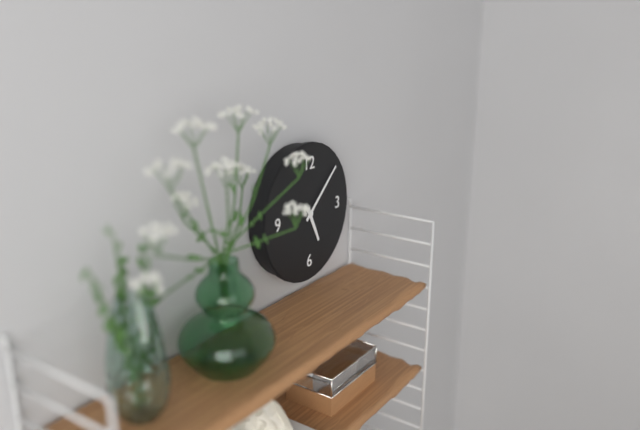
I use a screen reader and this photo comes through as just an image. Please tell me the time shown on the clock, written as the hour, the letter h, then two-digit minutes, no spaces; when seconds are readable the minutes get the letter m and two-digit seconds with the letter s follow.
5h08
